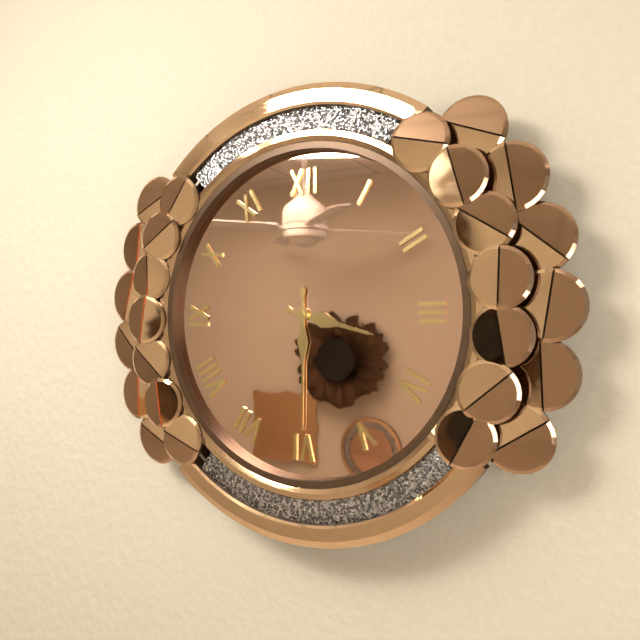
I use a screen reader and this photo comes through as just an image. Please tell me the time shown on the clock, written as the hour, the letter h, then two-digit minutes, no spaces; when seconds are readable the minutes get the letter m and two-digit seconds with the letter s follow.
3h30
